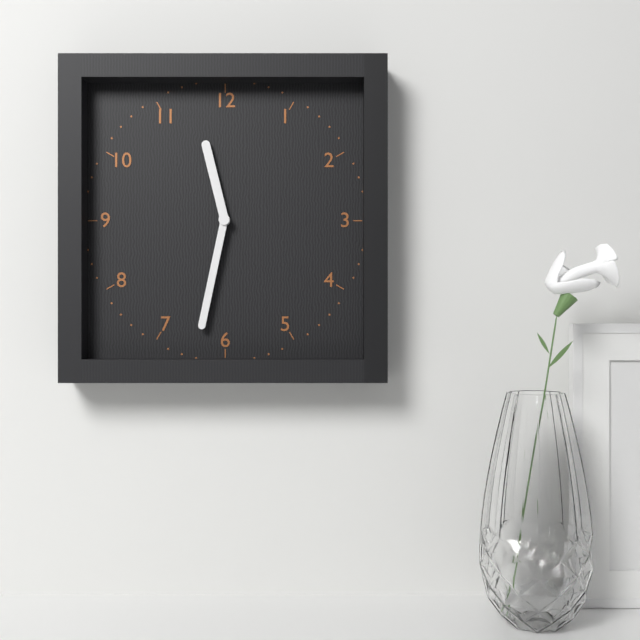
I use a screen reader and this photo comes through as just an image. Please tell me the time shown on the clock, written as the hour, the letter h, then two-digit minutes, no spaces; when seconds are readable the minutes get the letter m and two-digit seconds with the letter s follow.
11h32
